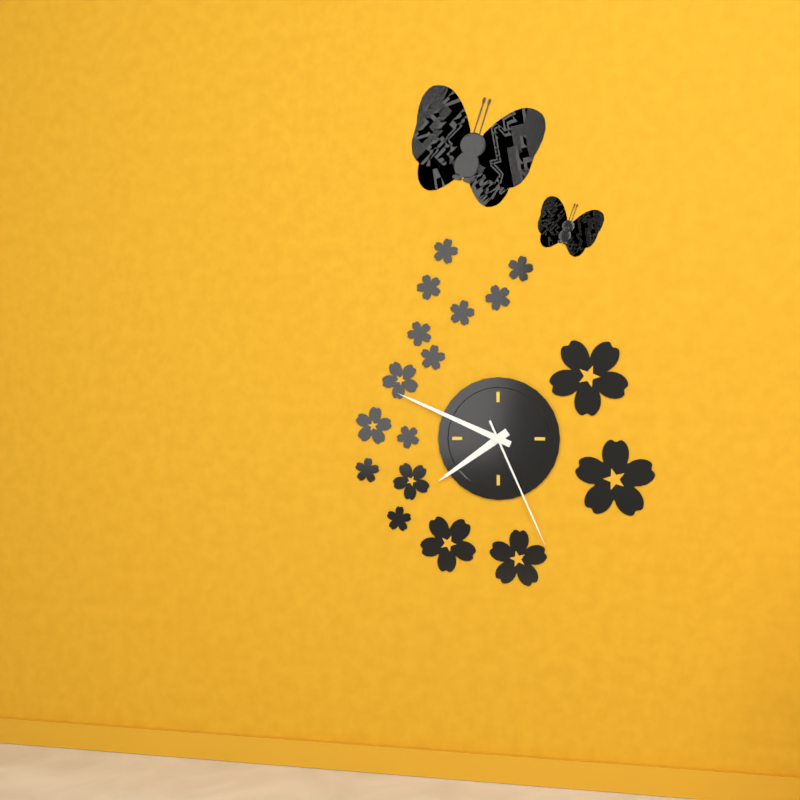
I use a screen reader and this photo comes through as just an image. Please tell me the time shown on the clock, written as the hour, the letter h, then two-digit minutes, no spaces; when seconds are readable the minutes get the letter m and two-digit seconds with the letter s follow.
7h49m26s
